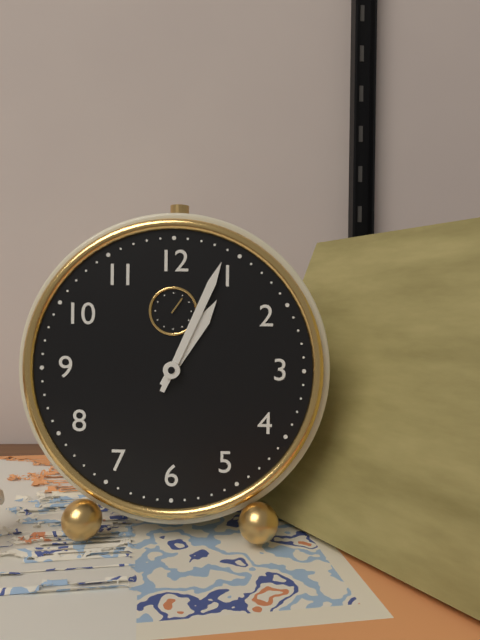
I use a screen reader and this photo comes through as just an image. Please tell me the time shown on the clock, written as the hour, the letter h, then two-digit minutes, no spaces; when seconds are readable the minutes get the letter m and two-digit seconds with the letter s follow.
1h04
